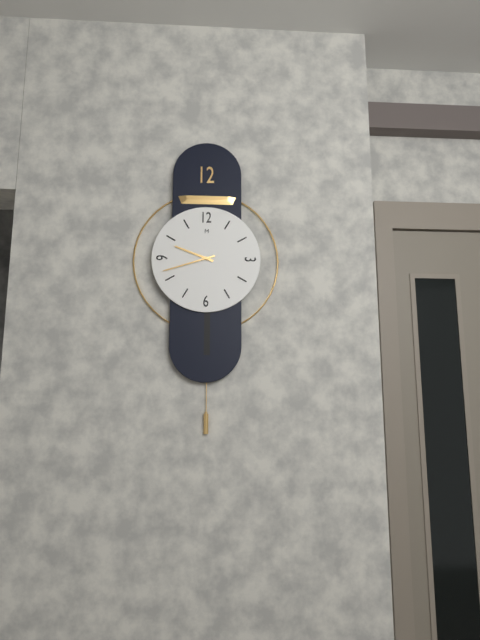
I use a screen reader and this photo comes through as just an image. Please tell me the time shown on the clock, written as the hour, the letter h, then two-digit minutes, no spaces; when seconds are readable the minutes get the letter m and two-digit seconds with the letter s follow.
9h42
